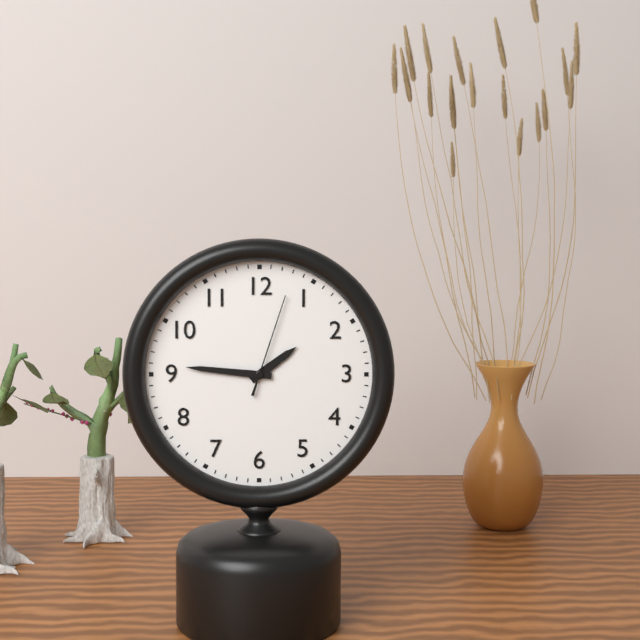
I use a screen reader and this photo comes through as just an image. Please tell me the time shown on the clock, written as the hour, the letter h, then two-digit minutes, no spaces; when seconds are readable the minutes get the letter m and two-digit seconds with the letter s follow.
1h46m03s
